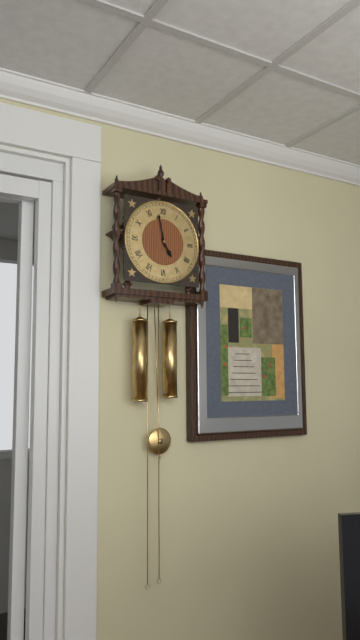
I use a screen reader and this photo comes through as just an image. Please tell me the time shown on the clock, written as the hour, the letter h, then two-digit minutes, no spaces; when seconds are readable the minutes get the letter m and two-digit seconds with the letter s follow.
4h58
